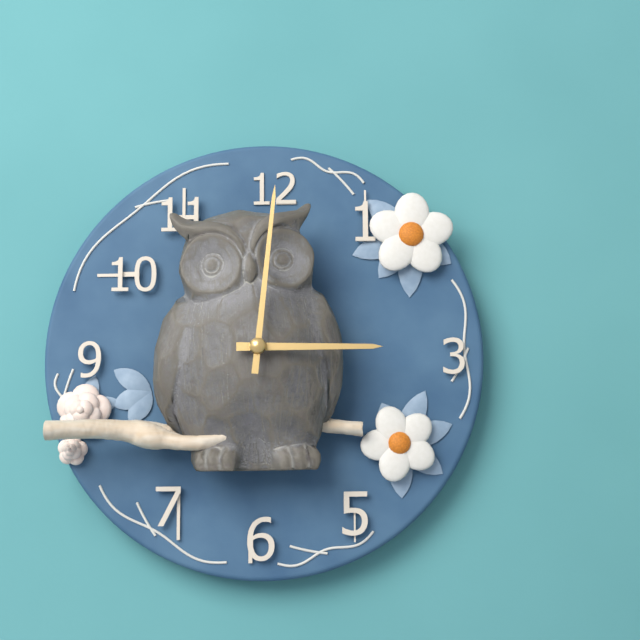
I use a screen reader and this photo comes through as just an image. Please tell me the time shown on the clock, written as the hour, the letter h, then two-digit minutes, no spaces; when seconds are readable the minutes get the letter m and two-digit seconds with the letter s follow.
3h01
